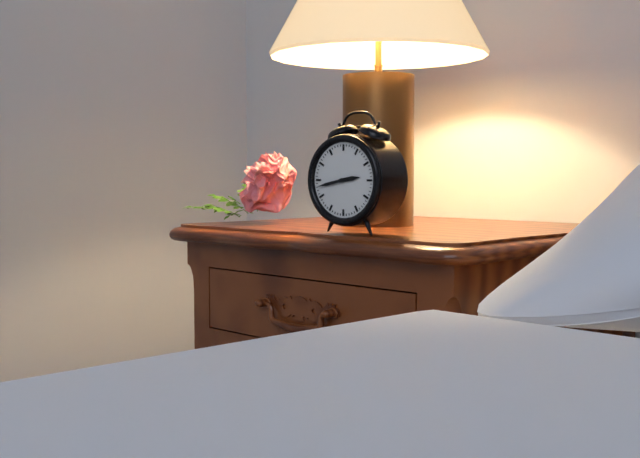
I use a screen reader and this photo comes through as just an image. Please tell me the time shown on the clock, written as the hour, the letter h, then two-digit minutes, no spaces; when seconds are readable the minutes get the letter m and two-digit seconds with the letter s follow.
2h43
